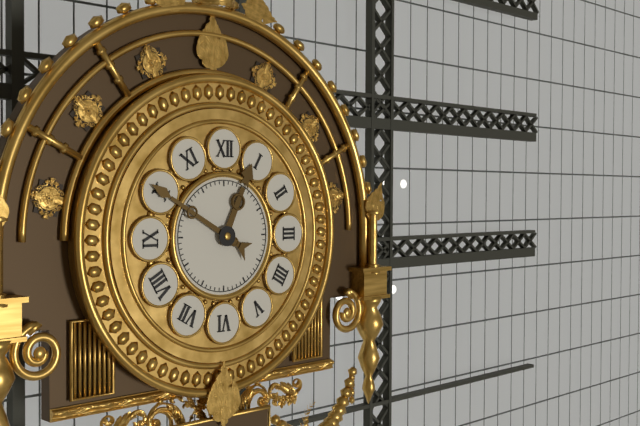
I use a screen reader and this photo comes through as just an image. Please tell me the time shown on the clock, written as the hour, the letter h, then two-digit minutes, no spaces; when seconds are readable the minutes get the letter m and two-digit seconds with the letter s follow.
12h50
